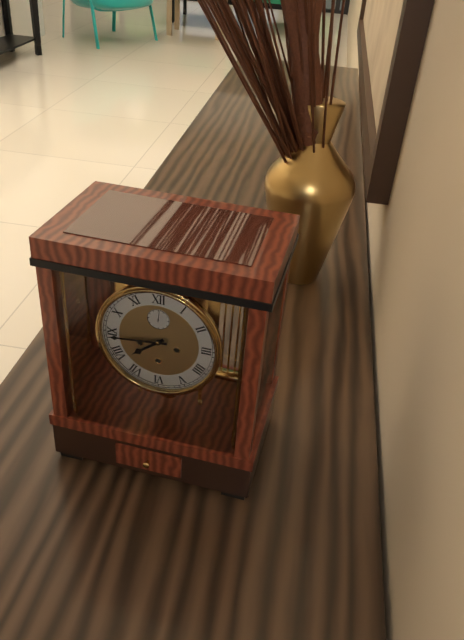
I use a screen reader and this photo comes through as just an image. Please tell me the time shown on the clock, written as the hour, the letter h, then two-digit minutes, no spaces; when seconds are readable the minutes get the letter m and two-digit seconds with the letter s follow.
7h44
